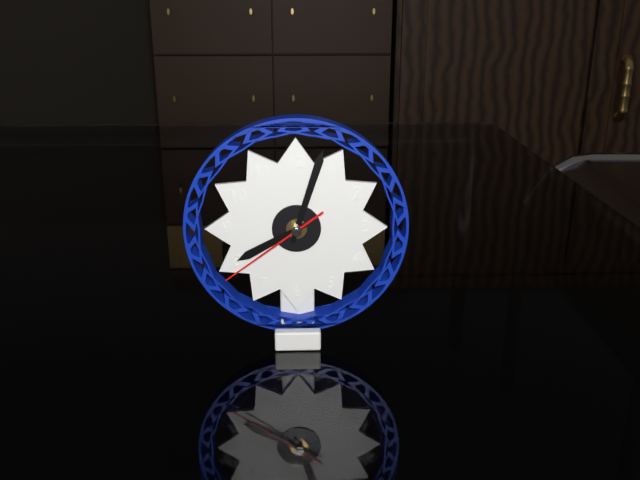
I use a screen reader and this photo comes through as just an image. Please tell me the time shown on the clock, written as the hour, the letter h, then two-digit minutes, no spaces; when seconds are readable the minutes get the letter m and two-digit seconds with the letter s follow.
8h03m39s
